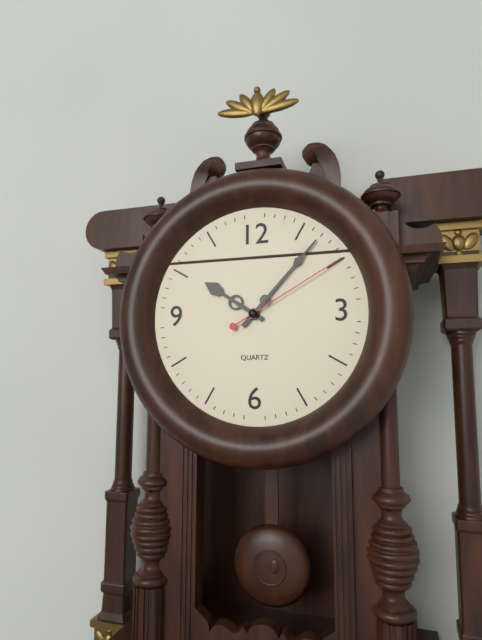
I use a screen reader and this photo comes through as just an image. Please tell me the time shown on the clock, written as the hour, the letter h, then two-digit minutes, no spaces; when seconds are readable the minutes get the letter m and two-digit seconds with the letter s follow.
10h07m10s
